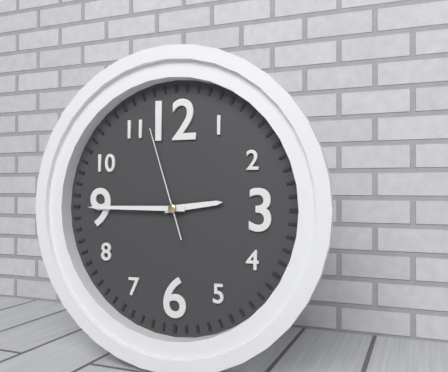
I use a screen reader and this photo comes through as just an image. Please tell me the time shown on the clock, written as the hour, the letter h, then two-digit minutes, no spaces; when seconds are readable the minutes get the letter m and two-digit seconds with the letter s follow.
2h45m57s
